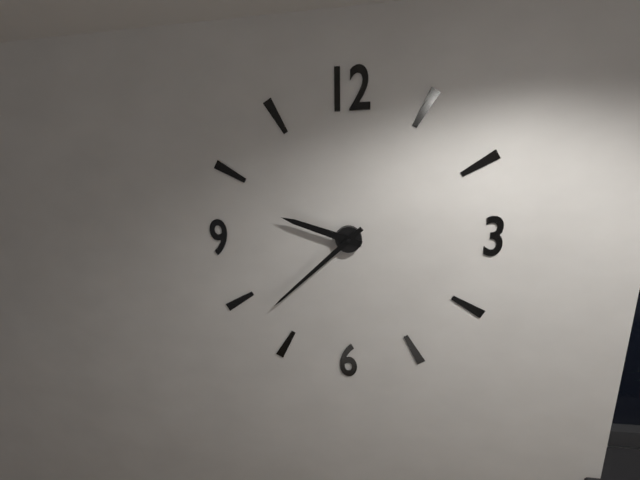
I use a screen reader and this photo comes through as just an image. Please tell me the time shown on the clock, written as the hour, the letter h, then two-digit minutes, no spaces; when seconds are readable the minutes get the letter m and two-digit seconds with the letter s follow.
9h38
